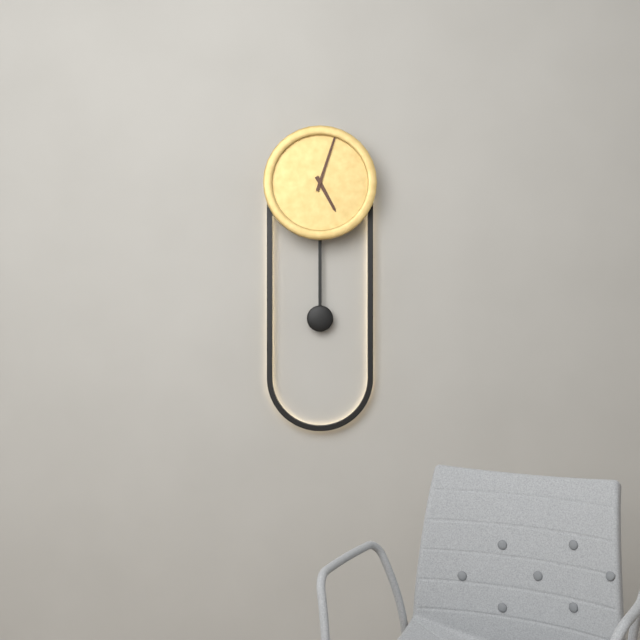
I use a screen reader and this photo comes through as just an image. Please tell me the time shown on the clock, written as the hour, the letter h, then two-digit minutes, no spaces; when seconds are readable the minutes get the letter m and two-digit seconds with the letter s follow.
5h03
